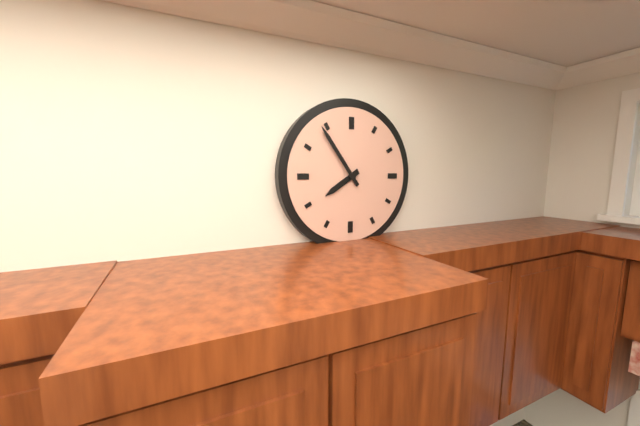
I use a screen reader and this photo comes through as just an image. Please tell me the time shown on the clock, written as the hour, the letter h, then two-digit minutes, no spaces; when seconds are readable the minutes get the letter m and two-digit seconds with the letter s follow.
7h54
